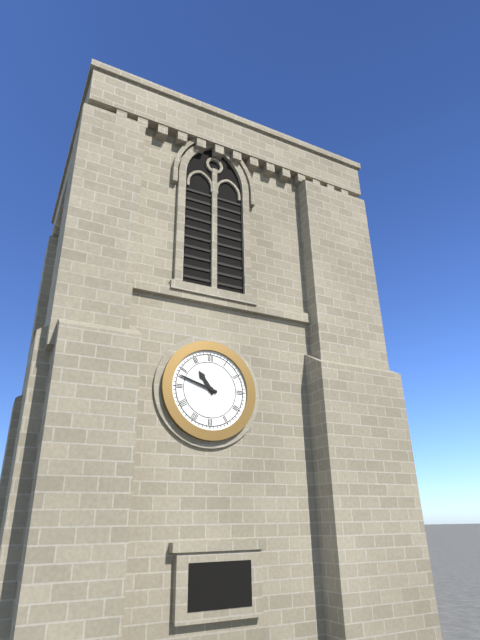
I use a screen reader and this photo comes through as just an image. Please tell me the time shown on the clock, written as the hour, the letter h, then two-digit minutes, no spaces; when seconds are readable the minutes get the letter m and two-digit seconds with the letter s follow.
10h48
